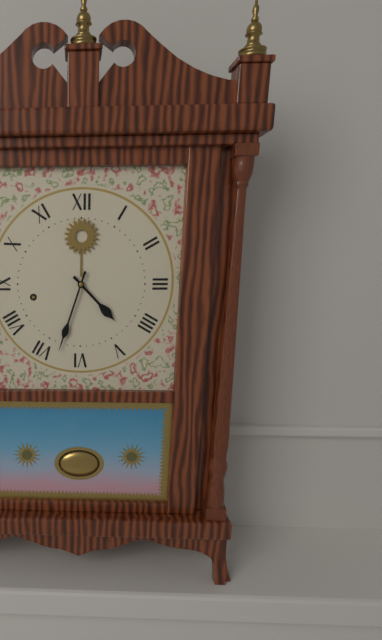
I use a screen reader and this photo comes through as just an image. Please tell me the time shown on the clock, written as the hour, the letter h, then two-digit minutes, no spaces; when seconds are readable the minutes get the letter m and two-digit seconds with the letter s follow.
4h33
